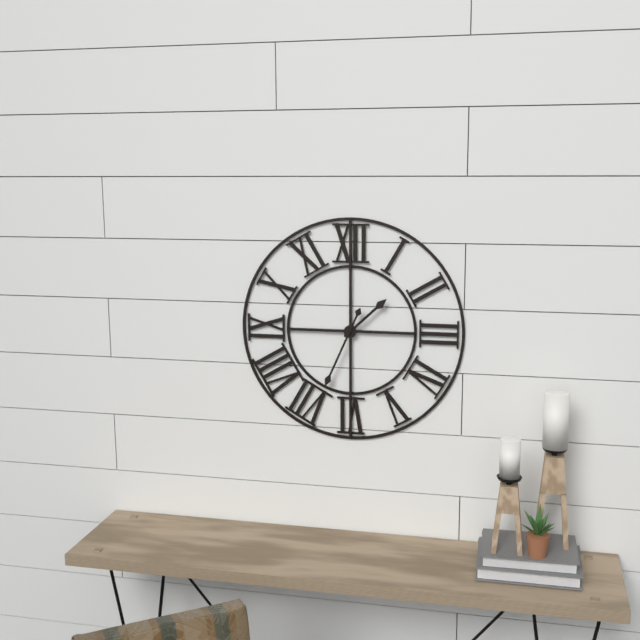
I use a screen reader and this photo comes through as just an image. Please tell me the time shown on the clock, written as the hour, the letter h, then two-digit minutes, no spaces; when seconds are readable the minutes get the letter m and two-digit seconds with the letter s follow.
1h34
